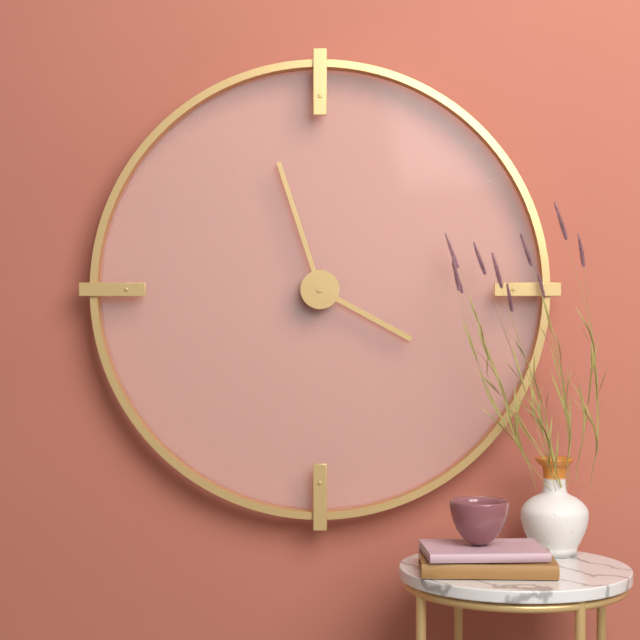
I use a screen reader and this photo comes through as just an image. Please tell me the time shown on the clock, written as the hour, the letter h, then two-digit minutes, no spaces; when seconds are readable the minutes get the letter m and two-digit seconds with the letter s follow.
3h57
